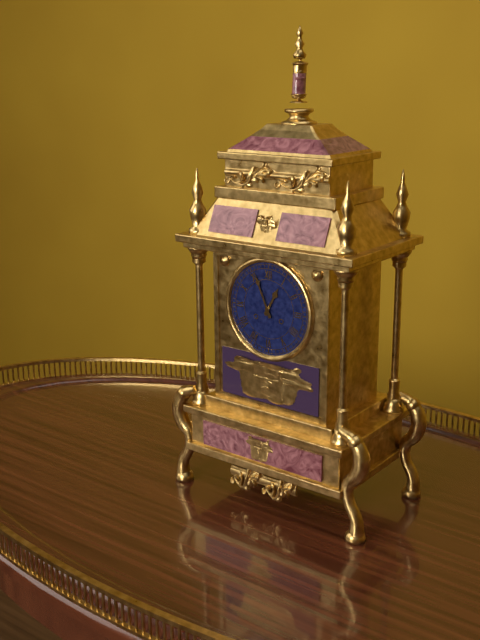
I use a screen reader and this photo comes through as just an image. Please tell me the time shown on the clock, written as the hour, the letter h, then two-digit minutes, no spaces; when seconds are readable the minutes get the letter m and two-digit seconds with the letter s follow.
12h56
